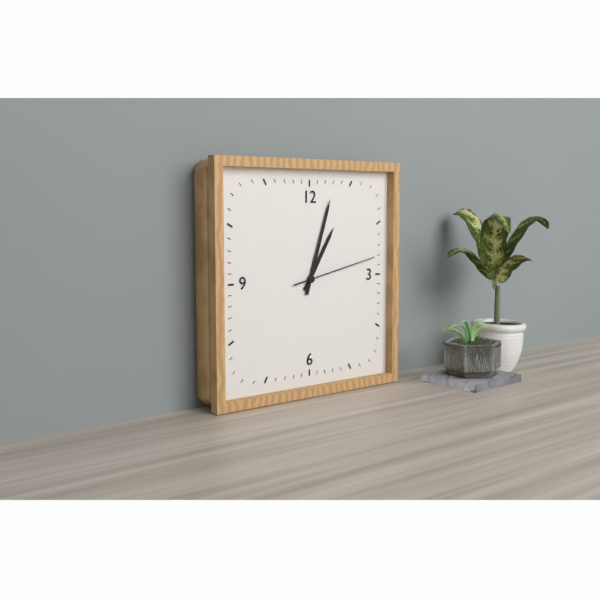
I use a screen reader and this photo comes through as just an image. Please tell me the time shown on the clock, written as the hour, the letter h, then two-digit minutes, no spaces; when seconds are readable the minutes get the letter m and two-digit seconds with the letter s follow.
1h03m13s
